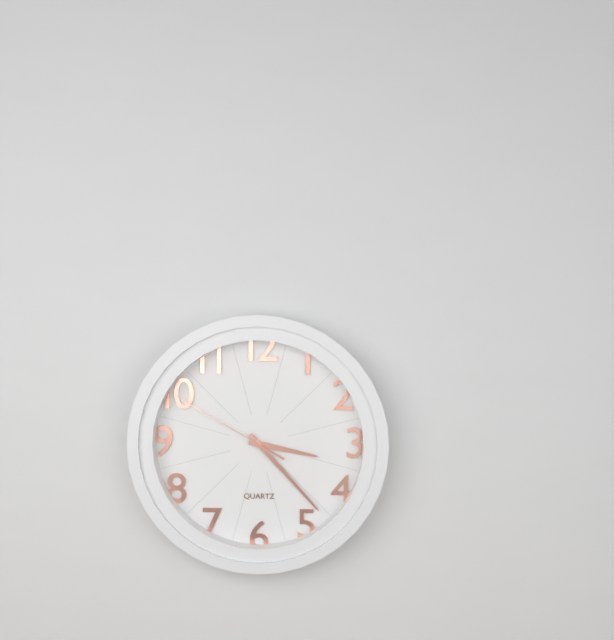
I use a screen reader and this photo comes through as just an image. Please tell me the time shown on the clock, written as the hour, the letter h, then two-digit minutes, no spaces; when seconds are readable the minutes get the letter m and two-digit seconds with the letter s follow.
3h23m50s
